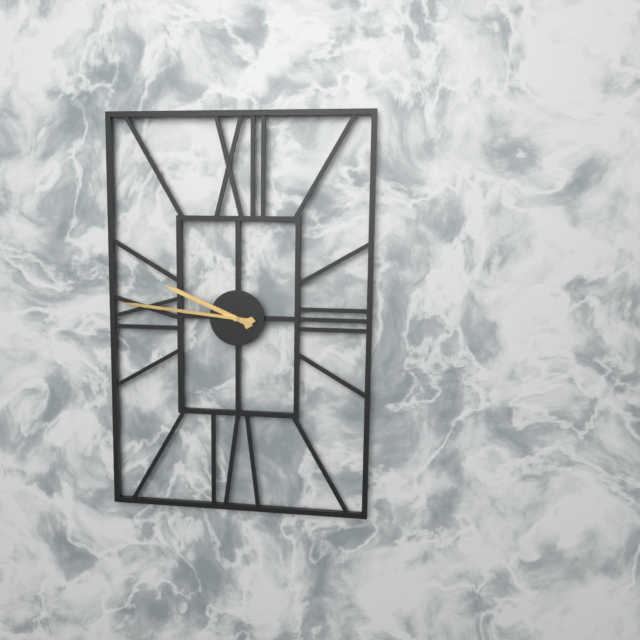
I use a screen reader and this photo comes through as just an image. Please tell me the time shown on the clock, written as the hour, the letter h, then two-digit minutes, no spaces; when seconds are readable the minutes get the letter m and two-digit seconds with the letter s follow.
9h46
